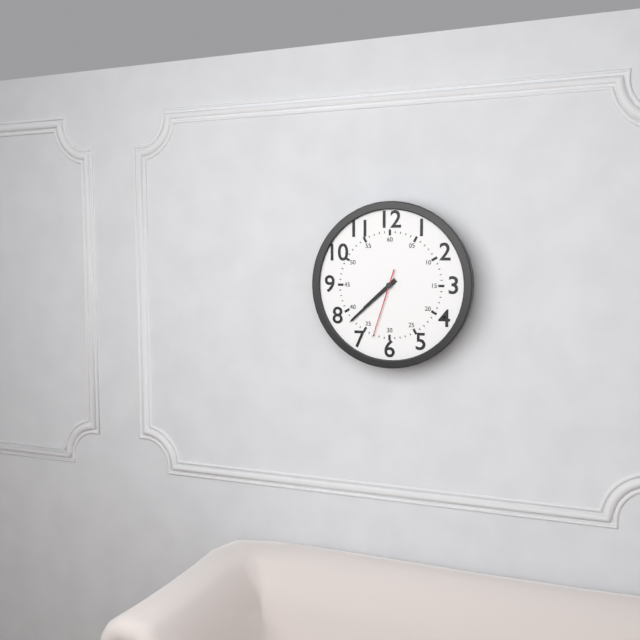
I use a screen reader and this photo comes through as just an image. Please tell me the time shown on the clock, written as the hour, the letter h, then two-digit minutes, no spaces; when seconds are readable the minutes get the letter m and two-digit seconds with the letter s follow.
7h38m33s
